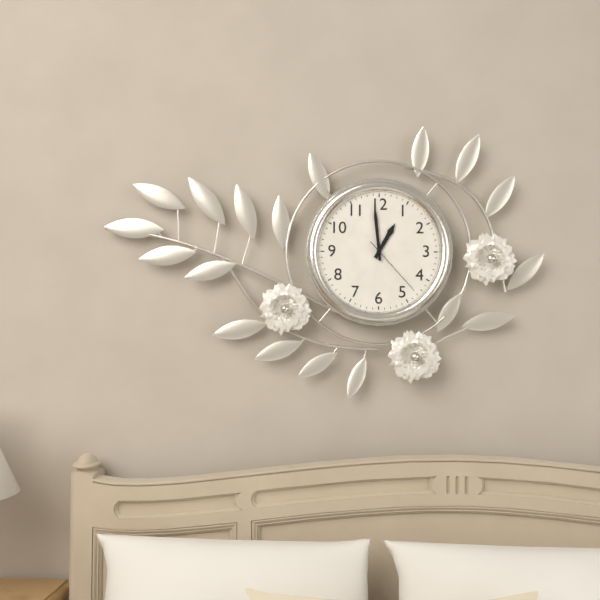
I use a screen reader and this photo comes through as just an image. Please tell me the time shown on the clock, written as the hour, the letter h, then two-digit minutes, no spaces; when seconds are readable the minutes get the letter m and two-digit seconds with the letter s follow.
12h59m23s
